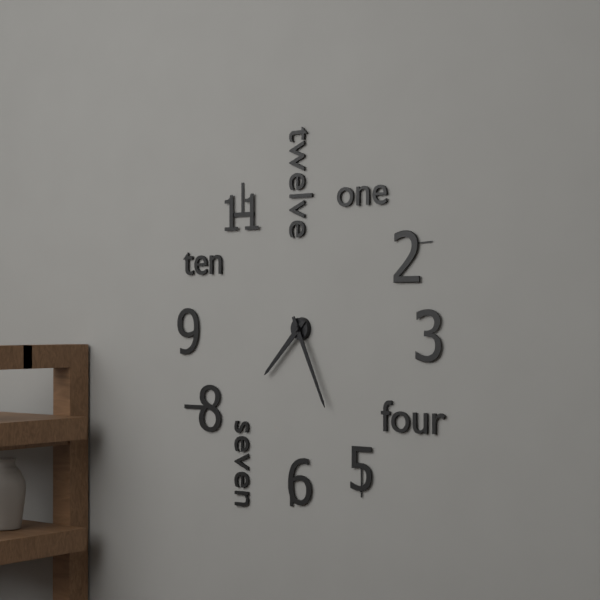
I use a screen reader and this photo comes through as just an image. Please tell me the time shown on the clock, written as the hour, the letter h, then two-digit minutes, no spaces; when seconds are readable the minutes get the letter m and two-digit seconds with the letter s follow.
7h26
